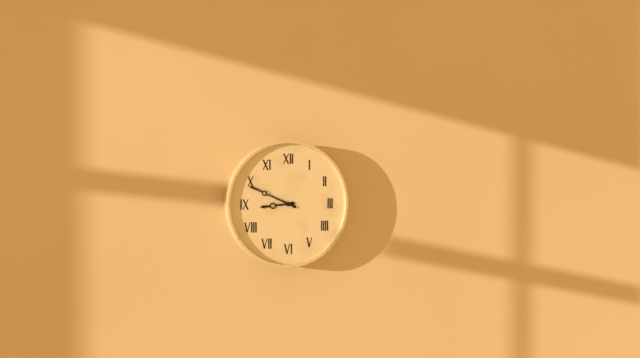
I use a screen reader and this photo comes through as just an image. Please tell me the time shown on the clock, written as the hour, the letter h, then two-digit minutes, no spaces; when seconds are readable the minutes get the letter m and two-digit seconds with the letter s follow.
8h49
